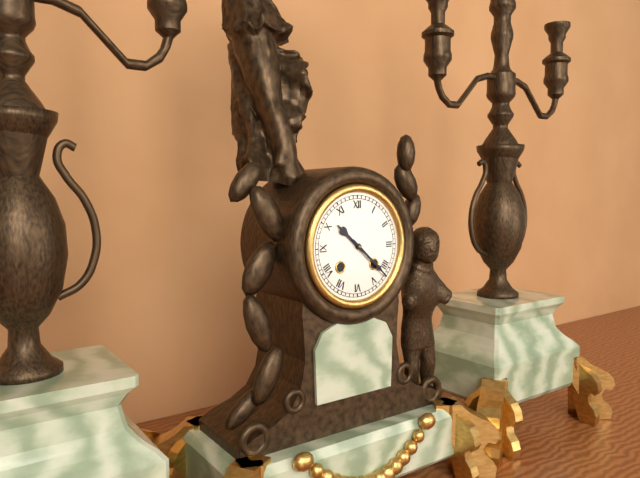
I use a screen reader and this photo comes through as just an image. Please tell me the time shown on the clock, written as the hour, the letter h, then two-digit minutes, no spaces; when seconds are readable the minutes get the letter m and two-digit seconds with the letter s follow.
10h22
